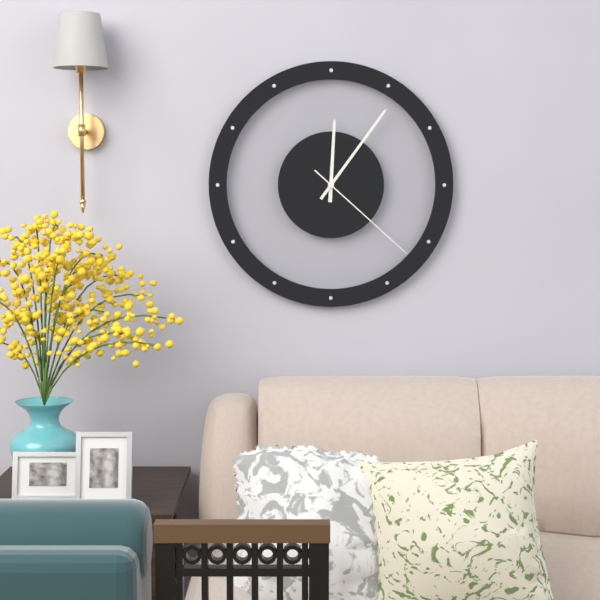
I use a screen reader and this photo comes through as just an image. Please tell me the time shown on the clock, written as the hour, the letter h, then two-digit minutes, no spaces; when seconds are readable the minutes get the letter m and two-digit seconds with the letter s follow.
12h06m22s
